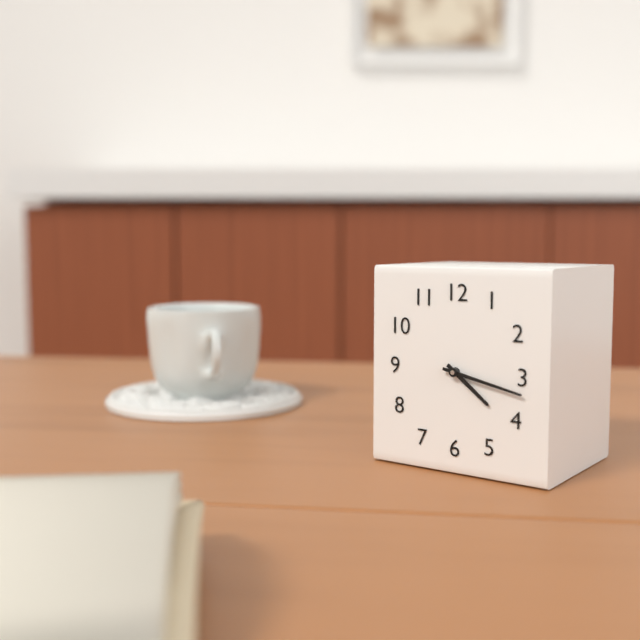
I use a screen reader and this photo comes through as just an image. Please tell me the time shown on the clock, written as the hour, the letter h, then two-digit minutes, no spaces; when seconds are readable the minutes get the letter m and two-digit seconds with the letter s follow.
4h17
